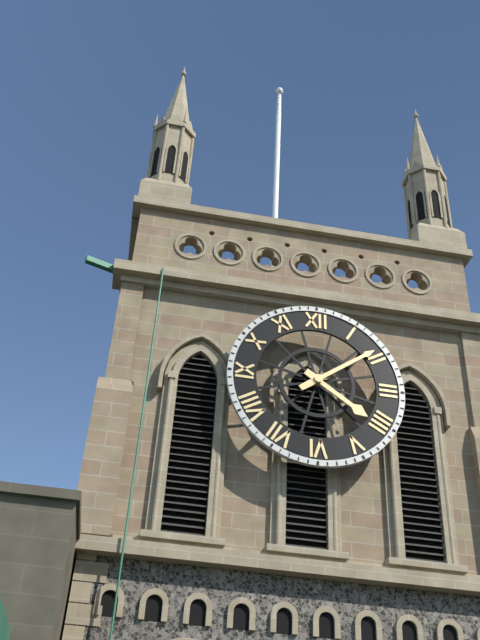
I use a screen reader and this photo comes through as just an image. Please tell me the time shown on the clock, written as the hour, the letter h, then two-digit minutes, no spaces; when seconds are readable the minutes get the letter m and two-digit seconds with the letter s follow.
4h09
